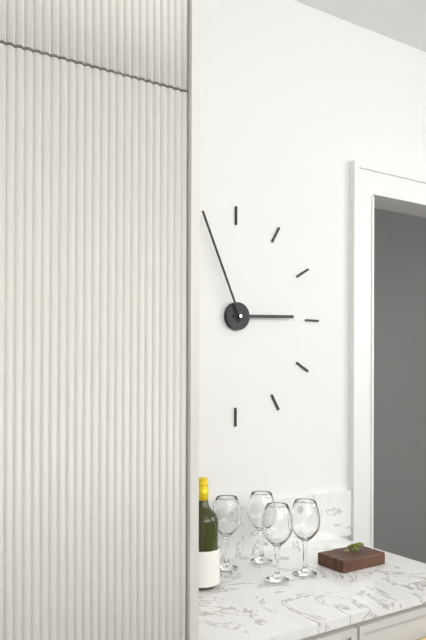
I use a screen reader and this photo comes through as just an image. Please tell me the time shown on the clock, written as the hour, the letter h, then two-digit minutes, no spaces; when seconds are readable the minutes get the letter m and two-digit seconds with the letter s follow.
2h56
